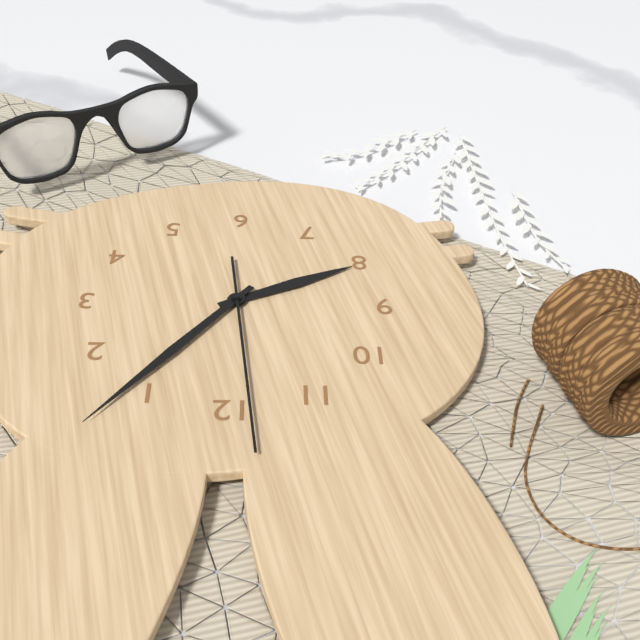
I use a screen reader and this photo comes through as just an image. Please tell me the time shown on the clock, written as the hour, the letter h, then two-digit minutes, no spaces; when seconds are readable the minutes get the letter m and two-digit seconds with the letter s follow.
8h06m59s
